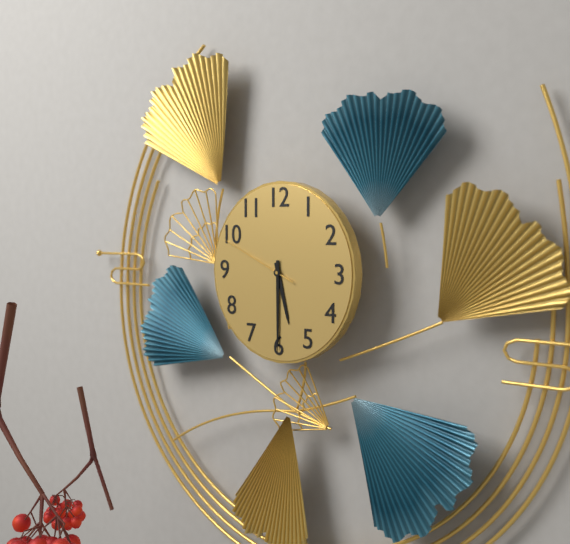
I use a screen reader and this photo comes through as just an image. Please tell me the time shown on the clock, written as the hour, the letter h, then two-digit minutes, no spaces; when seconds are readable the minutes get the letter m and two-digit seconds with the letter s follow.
5h30m49s
